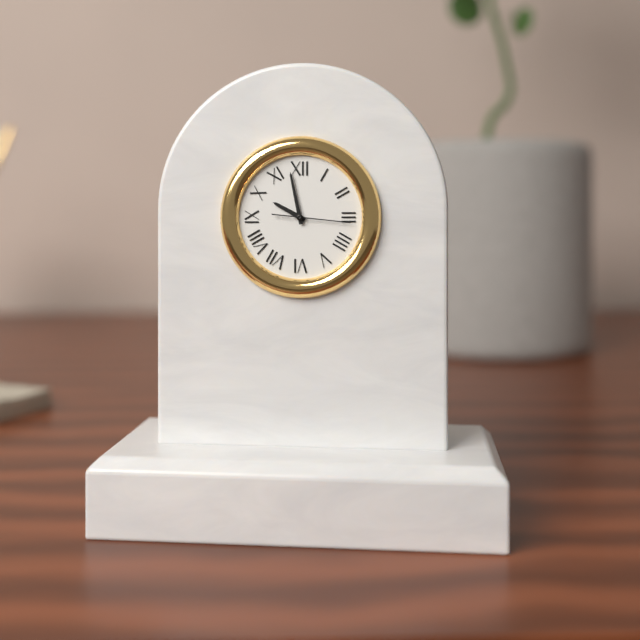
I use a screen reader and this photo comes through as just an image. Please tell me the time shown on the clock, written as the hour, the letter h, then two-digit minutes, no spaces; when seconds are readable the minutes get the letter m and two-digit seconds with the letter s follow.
9h58m16s
